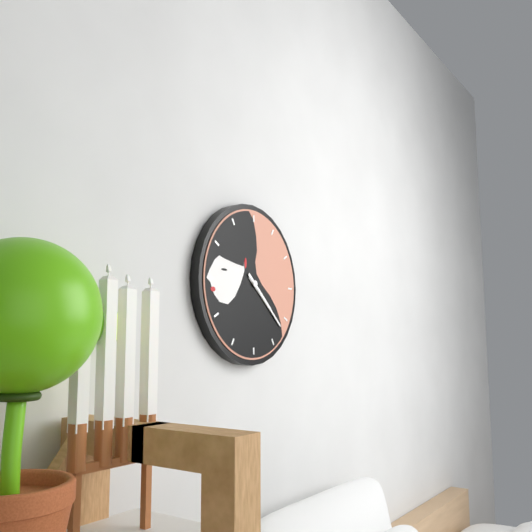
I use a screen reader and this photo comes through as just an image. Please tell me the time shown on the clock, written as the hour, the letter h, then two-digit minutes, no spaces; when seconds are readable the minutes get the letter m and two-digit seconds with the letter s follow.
4h22
